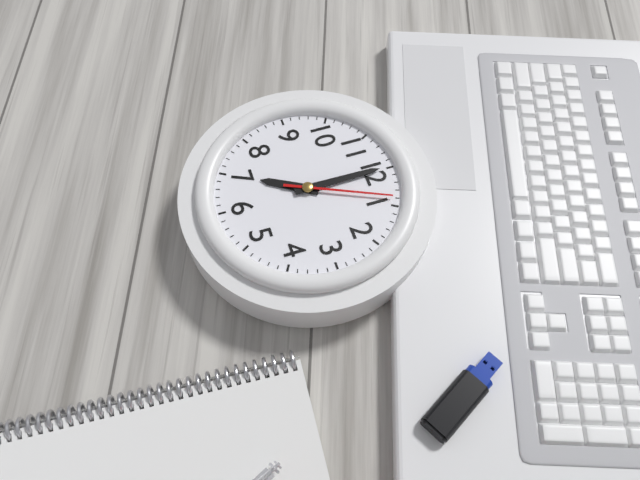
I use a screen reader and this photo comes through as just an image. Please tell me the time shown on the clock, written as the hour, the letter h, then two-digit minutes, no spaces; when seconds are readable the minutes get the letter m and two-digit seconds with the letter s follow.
7h00m04s
